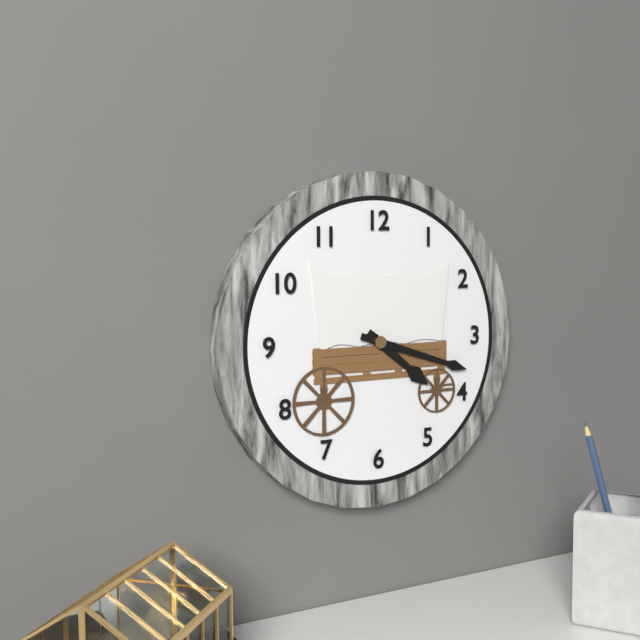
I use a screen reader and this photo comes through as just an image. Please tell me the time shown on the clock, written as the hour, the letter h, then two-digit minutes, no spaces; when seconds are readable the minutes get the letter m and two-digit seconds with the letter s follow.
4h18
